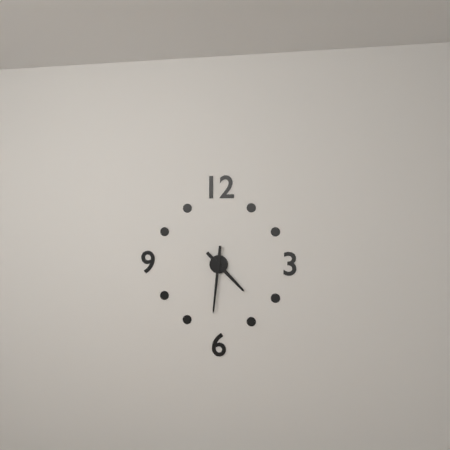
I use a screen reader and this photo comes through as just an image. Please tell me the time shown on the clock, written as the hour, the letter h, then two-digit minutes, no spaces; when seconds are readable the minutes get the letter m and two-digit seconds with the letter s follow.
4h31
